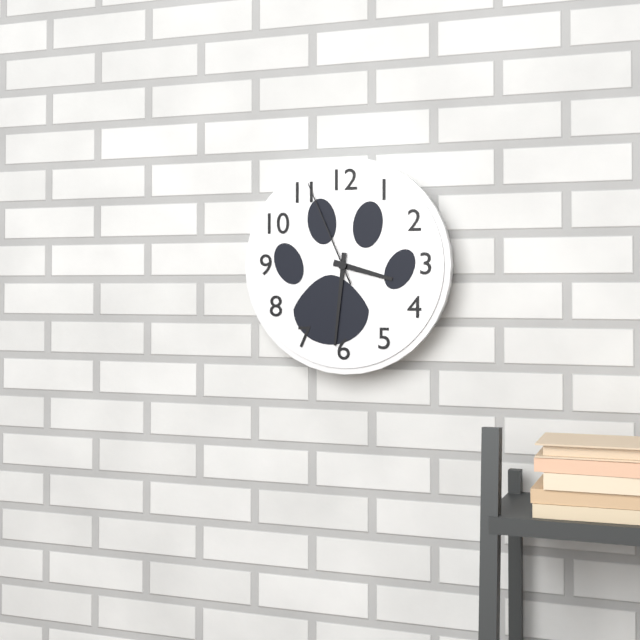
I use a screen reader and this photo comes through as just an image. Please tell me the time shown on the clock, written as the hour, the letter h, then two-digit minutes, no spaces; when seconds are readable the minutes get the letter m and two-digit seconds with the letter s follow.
3h31m56s
